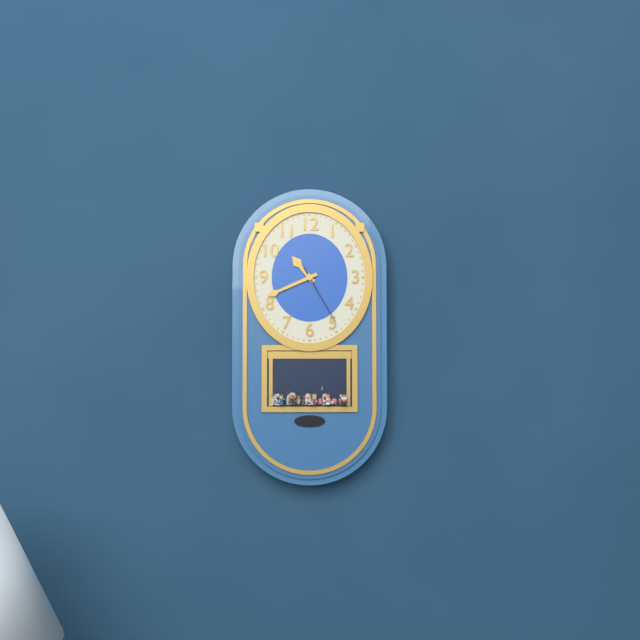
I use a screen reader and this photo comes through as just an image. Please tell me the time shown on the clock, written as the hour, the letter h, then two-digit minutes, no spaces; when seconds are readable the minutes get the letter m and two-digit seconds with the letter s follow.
10h41m25s
